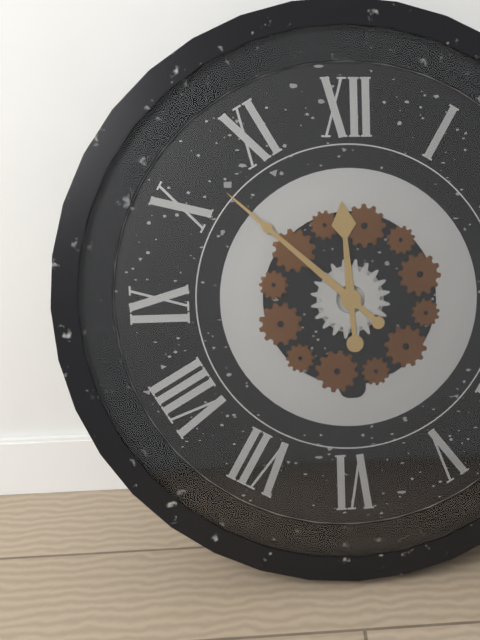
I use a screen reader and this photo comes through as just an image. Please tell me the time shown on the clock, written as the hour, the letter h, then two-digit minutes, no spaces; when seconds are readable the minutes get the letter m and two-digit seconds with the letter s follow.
11h52
